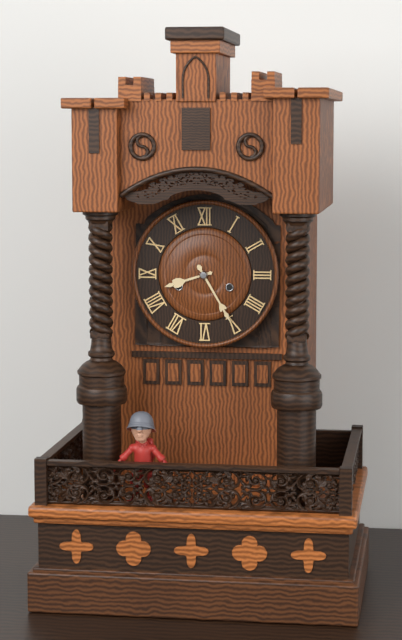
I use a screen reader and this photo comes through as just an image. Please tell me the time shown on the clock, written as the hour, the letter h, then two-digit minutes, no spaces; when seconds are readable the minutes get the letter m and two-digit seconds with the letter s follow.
8h25
